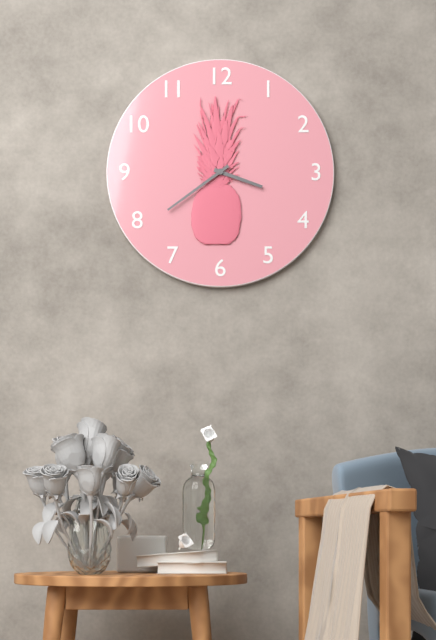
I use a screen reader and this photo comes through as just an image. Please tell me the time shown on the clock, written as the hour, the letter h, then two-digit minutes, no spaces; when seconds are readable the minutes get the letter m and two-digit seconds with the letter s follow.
3h39
